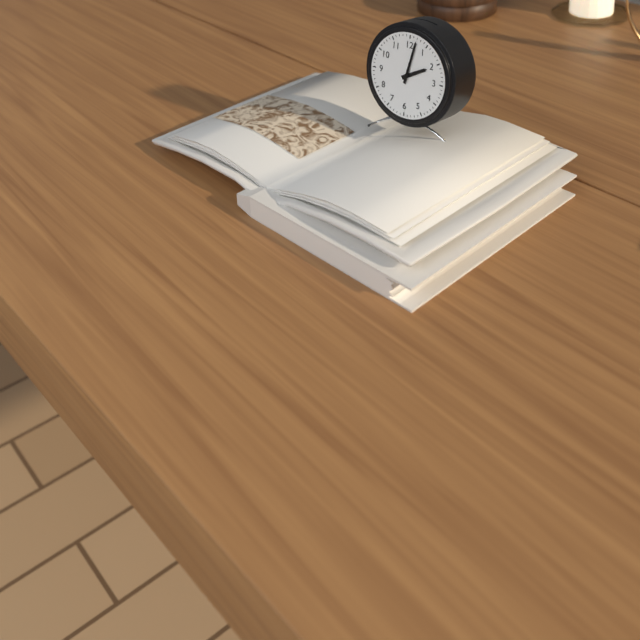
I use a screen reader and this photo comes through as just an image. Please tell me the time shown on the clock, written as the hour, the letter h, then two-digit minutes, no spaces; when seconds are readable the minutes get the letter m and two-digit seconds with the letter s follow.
2h02
